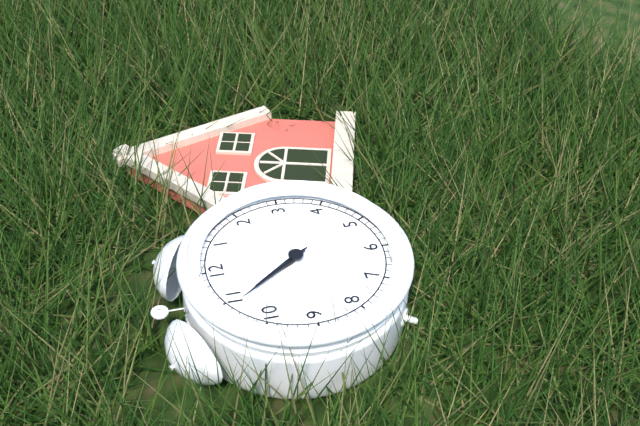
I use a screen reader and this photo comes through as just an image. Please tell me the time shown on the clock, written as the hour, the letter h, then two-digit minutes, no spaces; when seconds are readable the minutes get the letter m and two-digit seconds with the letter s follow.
10h54
